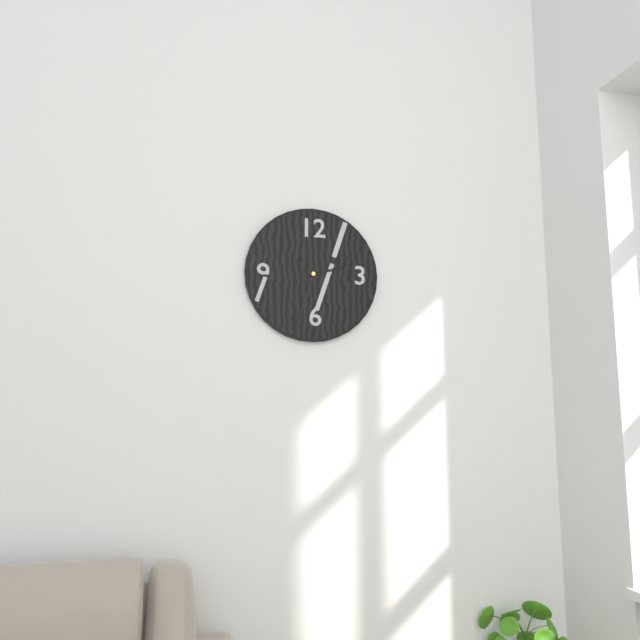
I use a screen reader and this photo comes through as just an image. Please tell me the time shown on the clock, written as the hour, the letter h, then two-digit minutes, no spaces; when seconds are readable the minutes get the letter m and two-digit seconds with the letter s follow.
2h33m12s
